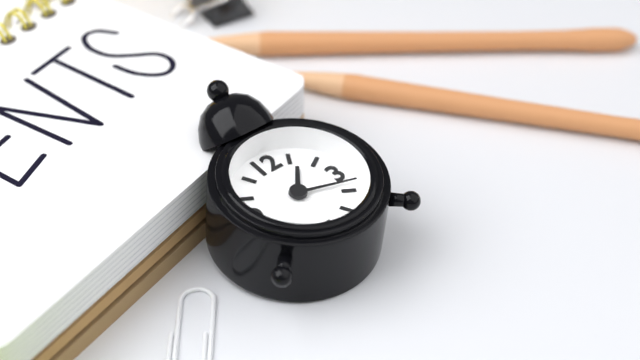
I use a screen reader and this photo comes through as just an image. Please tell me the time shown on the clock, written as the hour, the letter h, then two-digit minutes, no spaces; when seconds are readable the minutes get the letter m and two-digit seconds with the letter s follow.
1h18
